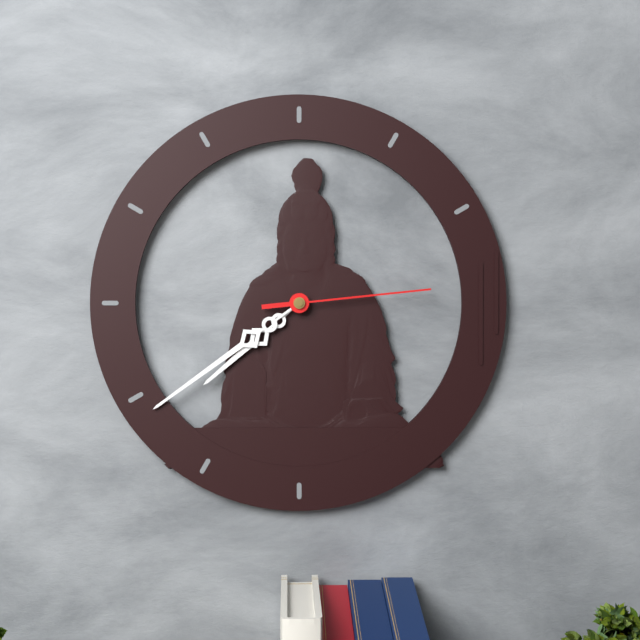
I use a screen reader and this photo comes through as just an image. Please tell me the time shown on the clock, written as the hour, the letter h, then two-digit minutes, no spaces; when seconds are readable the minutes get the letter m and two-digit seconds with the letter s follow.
7h39m14s
